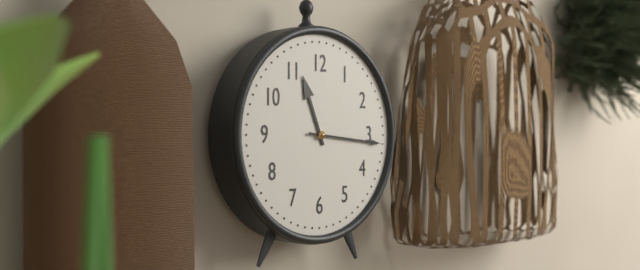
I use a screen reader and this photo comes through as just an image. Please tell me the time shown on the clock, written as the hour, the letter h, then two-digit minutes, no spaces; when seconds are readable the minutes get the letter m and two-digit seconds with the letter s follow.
11h16
